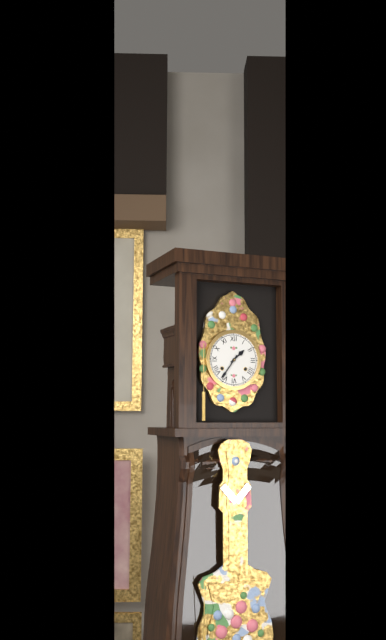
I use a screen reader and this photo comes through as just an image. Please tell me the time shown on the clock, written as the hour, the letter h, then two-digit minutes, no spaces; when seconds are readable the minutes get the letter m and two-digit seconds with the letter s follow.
1h36
